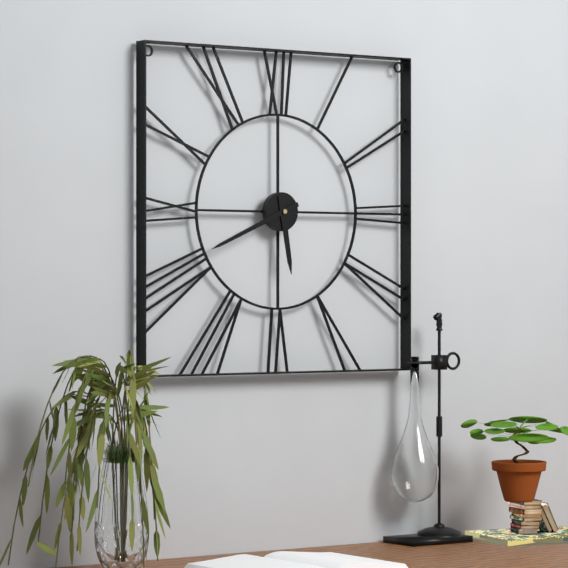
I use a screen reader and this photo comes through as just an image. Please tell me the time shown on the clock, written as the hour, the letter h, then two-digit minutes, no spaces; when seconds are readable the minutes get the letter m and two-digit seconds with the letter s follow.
5h41
